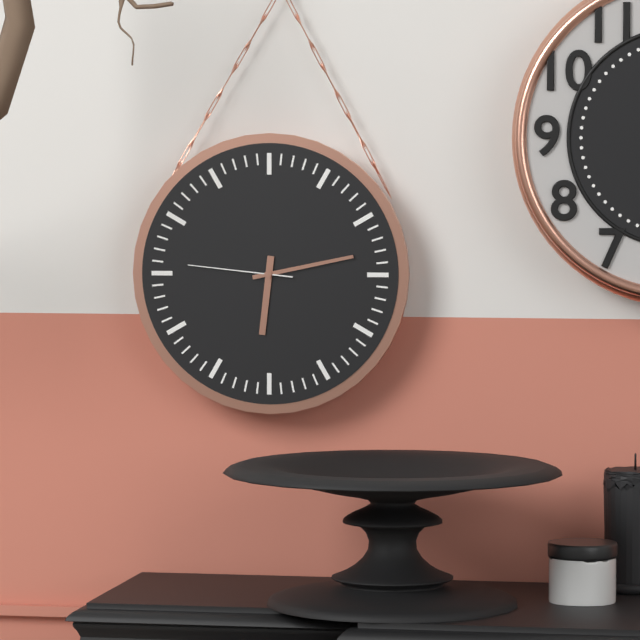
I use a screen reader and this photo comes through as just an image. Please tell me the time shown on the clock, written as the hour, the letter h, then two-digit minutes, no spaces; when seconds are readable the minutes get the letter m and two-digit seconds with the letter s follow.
6h13m46s
